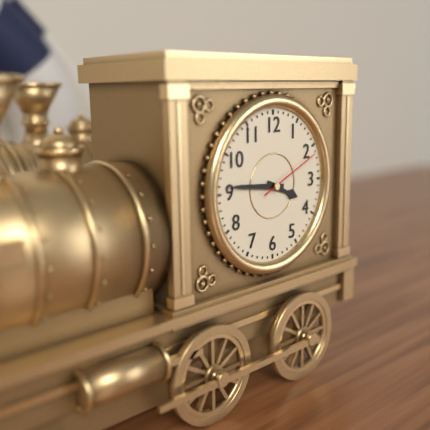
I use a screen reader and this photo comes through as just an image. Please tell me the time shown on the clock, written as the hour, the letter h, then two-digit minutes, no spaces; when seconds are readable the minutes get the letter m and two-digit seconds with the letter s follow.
3h46m11s
